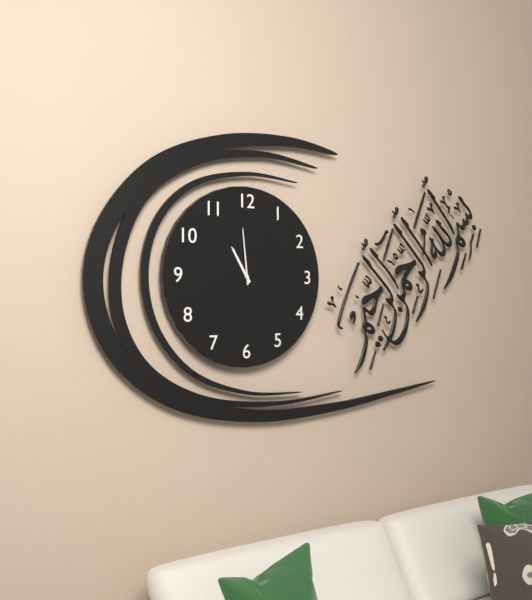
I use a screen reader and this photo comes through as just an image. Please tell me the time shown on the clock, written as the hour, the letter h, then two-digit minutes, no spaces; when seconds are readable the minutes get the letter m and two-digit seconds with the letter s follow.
10h59
